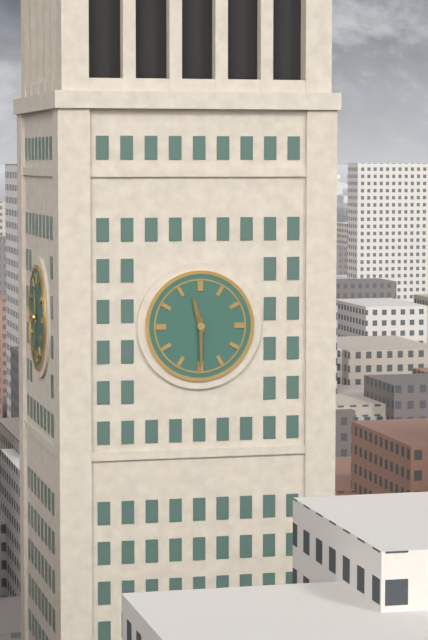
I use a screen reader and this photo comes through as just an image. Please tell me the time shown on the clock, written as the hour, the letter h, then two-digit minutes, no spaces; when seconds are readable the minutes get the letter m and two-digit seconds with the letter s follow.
11h30
